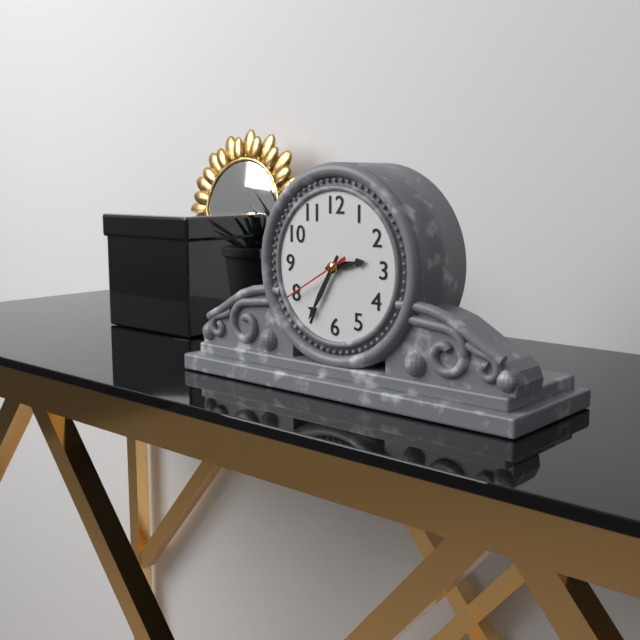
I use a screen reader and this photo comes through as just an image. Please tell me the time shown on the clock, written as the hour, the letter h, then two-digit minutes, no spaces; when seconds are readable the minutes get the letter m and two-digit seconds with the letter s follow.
2h35m40s
